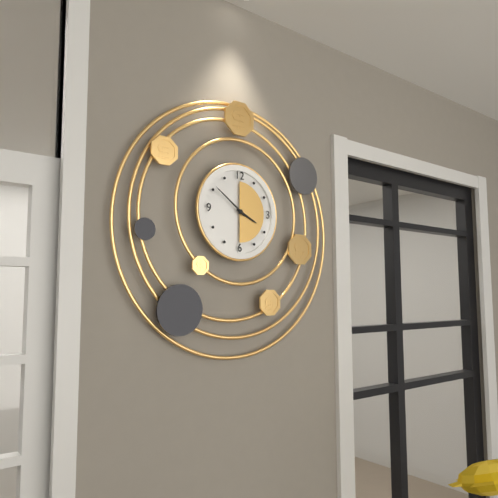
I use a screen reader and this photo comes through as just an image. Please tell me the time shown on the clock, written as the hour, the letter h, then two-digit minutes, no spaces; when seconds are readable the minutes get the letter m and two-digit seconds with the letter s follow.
3h51
